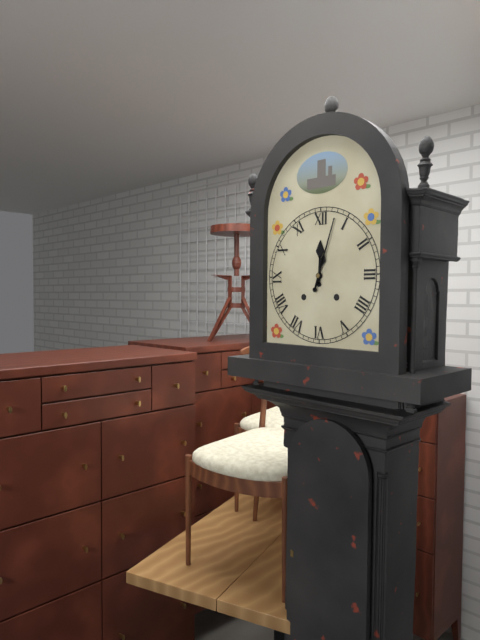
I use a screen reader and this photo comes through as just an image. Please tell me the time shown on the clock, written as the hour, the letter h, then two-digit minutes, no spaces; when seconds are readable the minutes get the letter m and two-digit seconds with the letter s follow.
12h03
